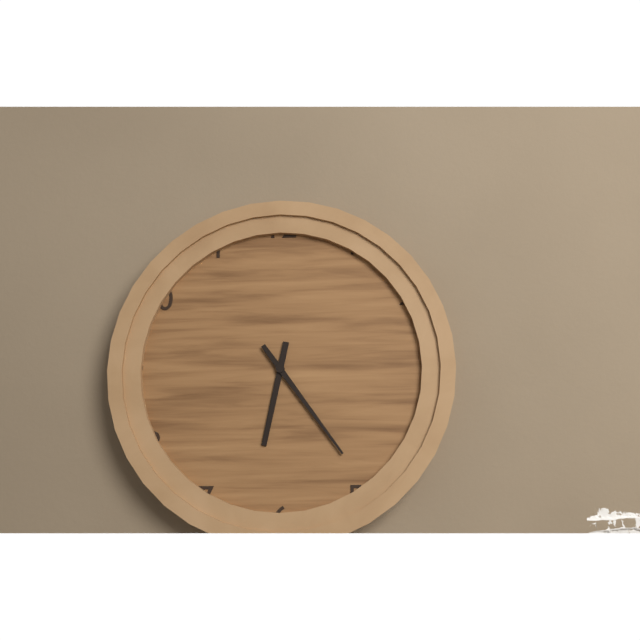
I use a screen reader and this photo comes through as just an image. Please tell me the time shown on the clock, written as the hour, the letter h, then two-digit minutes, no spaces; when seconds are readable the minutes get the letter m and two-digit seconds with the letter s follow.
6h24
